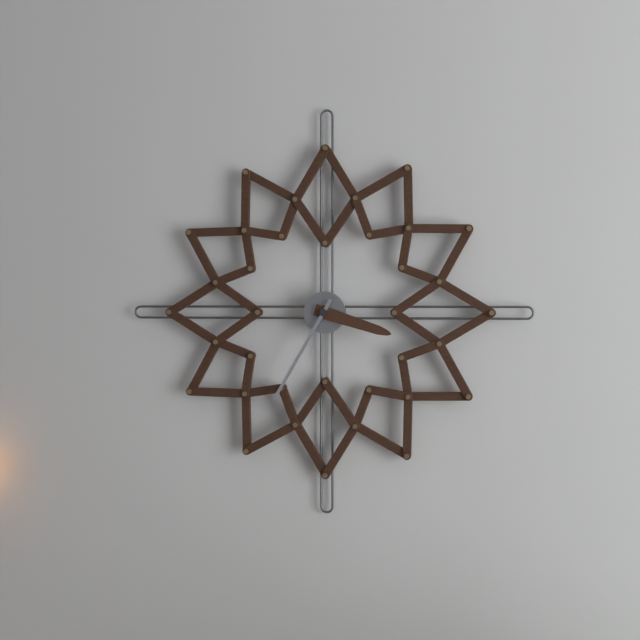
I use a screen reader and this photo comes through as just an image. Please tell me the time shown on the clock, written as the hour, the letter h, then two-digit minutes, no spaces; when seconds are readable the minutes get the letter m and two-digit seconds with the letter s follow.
3h35
